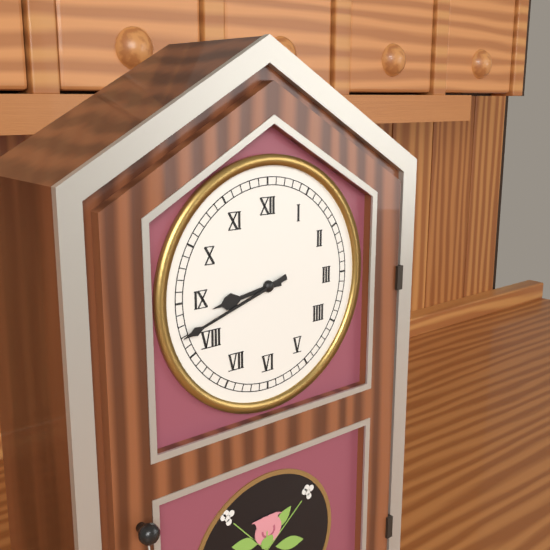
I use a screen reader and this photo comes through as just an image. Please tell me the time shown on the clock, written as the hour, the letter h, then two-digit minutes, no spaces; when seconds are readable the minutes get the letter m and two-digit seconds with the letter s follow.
8h42
